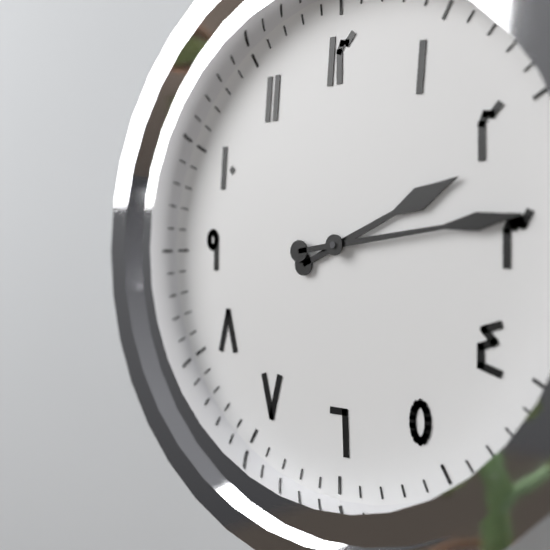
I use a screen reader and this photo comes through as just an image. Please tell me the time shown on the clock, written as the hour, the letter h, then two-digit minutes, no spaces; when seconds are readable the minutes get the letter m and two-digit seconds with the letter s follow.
2h14
